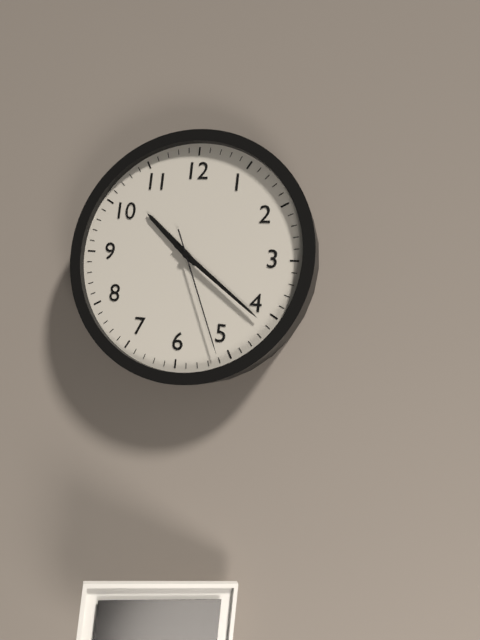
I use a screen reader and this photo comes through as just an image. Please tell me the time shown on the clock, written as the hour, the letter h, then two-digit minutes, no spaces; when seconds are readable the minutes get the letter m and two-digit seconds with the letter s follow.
10h21m26s
